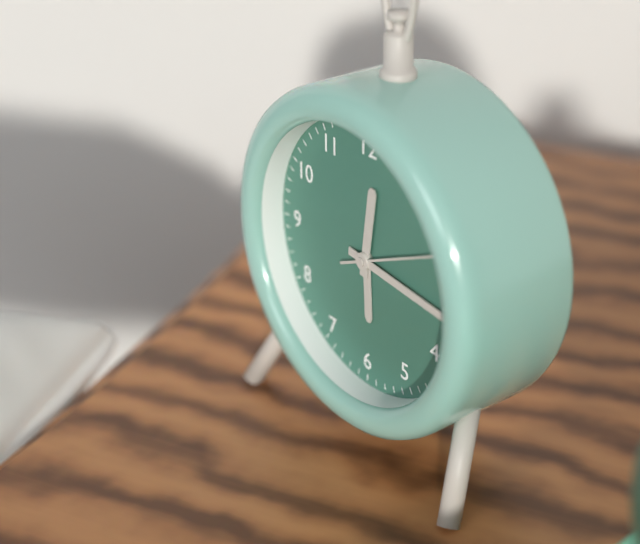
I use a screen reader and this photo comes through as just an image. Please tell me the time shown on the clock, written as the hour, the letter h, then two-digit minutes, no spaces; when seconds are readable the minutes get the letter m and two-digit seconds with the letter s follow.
12h16m11s
